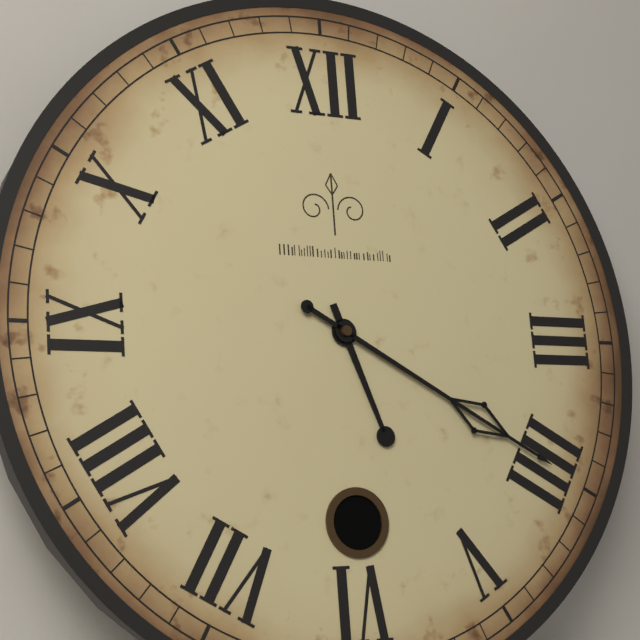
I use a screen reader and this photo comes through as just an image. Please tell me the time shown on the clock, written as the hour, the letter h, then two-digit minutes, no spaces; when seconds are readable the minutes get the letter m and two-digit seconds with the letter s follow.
5h20
